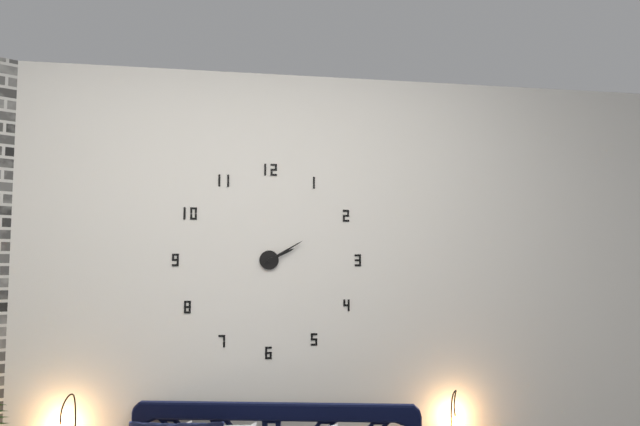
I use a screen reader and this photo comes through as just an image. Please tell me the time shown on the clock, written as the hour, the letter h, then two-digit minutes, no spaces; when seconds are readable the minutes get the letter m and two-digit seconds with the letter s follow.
2h10
